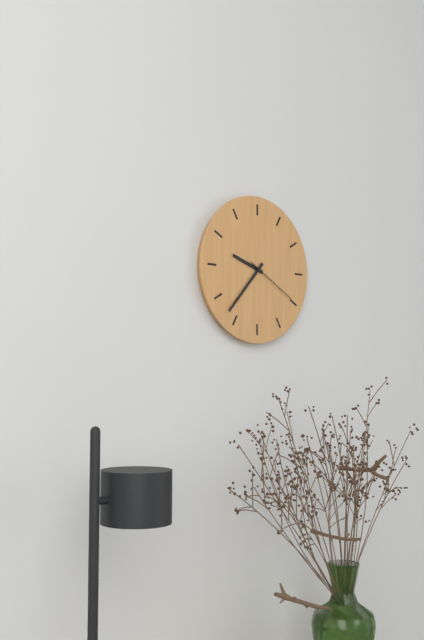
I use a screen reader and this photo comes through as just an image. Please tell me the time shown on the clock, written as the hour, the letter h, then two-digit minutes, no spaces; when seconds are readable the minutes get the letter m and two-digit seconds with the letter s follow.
9h37m20s
